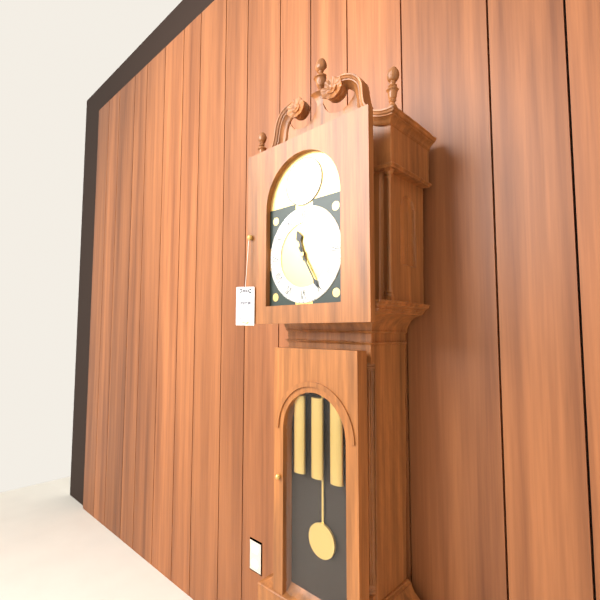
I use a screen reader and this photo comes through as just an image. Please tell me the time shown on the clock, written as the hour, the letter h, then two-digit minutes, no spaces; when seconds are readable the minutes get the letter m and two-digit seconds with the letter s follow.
11h25
